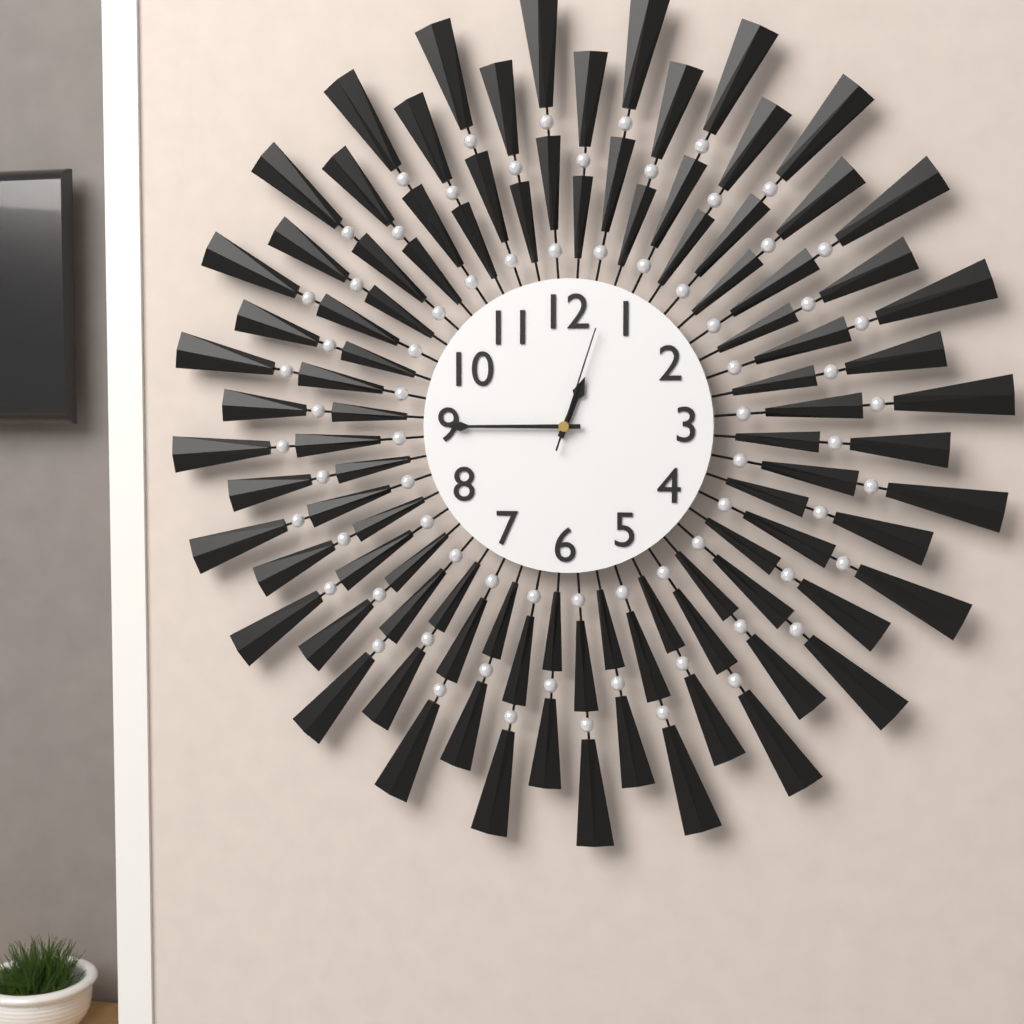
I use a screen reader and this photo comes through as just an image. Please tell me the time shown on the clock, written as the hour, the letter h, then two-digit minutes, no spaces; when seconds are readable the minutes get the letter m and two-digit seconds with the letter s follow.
12h45m03s
